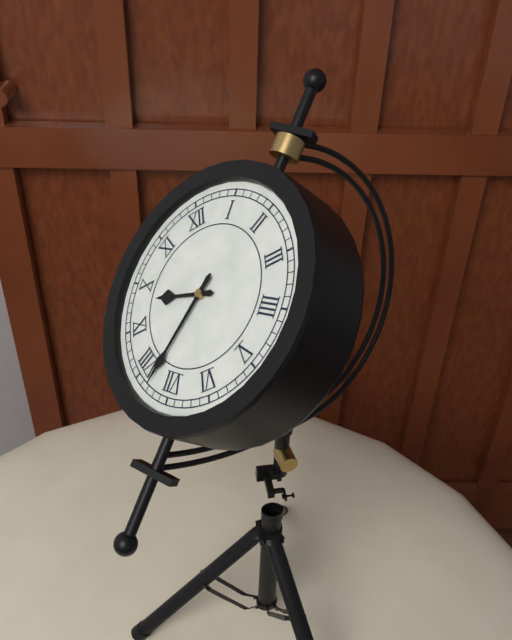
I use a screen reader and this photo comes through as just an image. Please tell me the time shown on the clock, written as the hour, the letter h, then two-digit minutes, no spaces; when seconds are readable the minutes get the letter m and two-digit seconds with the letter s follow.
9h38
